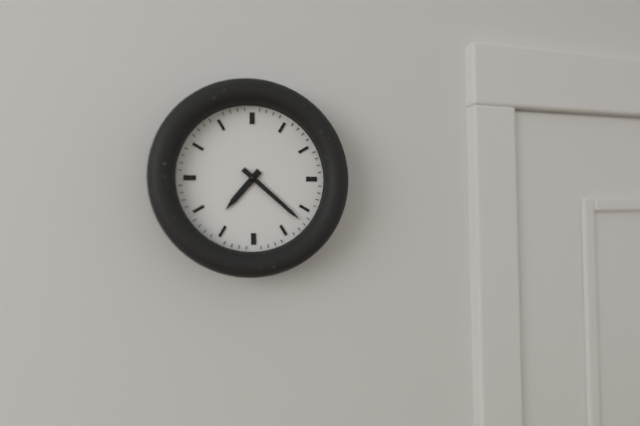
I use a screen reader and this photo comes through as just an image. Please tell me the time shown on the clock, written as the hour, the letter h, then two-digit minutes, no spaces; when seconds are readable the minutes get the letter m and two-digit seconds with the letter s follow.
7h22
